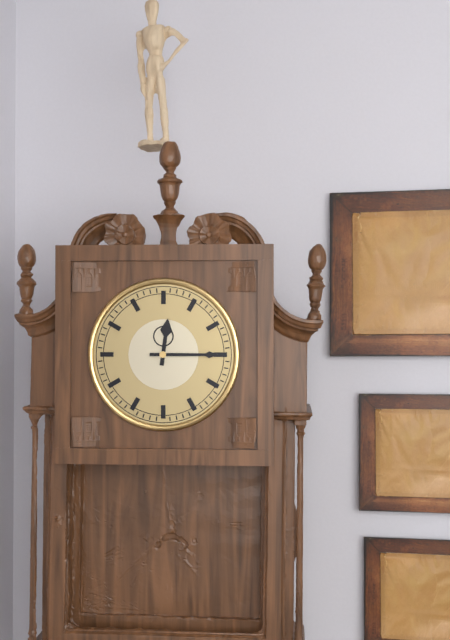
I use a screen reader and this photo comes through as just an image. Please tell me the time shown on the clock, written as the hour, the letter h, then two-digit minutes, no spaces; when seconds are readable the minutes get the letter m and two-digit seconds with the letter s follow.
12h15
